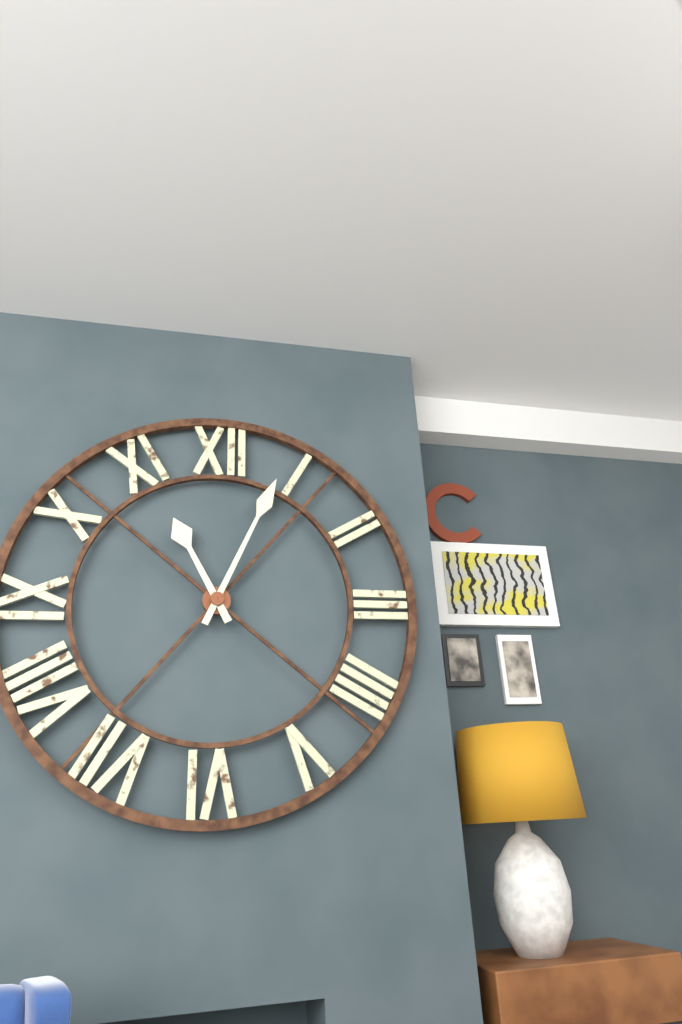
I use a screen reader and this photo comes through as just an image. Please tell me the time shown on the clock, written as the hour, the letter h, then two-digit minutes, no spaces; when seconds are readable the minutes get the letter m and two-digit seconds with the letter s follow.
11h04
